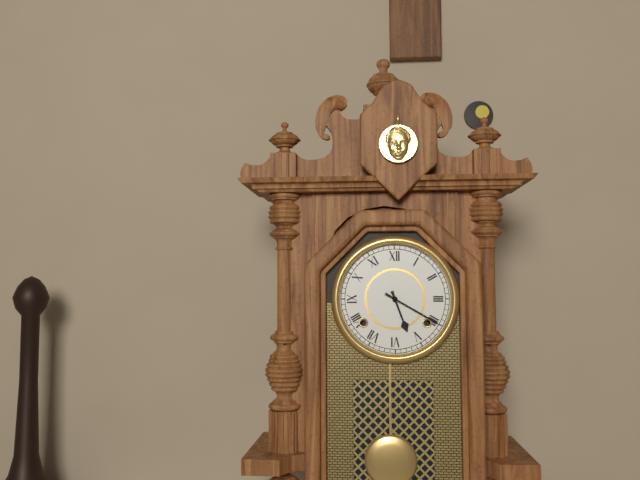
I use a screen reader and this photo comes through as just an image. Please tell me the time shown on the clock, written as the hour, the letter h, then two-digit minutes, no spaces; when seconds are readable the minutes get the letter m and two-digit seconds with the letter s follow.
5h20
